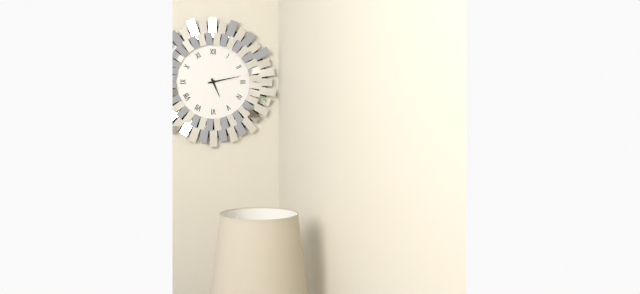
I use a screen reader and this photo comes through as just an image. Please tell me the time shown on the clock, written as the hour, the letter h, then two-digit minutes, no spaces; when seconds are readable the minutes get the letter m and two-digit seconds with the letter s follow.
5h13
